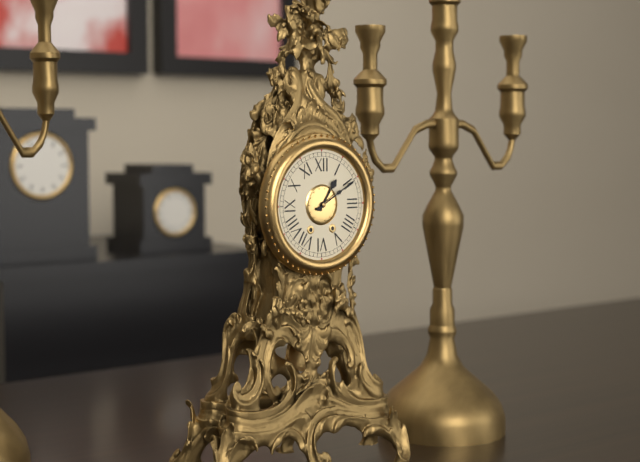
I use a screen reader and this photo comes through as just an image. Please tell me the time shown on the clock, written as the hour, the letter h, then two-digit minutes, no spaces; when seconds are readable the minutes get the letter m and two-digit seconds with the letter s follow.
1h10
